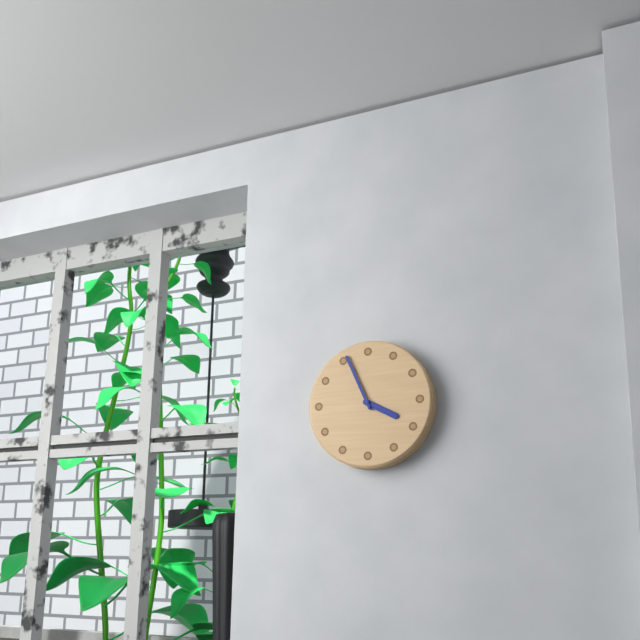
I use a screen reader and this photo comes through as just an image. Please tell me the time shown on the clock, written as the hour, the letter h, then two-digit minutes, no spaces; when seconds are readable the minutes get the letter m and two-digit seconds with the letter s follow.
3h56
